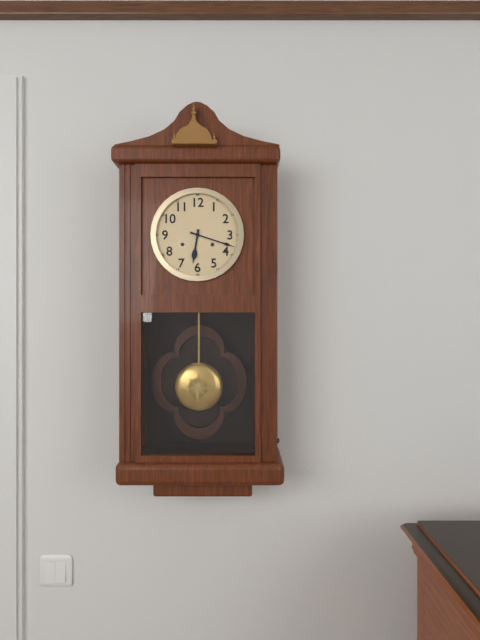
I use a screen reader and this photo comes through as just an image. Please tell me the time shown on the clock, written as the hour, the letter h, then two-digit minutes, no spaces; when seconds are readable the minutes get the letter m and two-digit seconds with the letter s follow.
6h18
